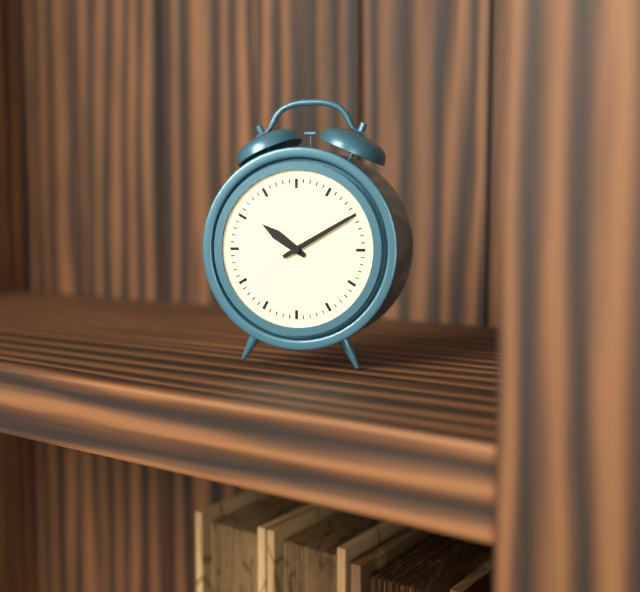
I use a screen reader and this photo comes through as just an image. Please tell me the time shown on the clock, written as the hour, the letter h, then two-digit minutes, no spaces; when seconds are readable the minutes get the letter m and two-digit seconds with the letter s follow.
10h10
